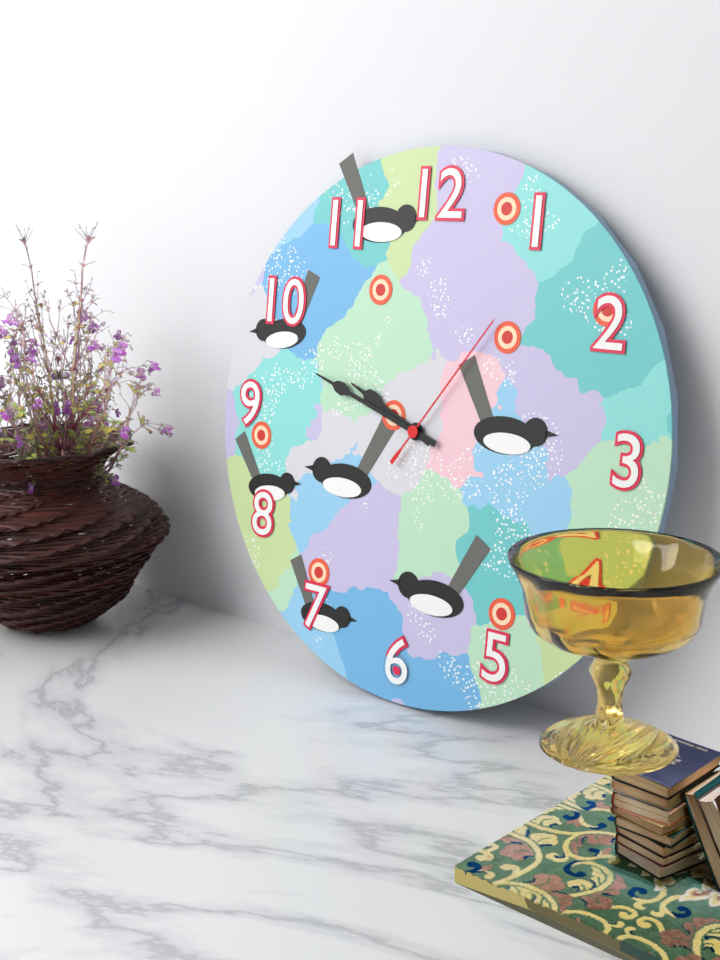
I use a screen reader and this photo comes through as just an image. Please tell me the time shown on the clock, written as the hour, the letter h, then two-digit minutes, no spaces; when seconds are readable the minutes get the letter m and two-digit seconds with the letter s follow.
9h48m06s
